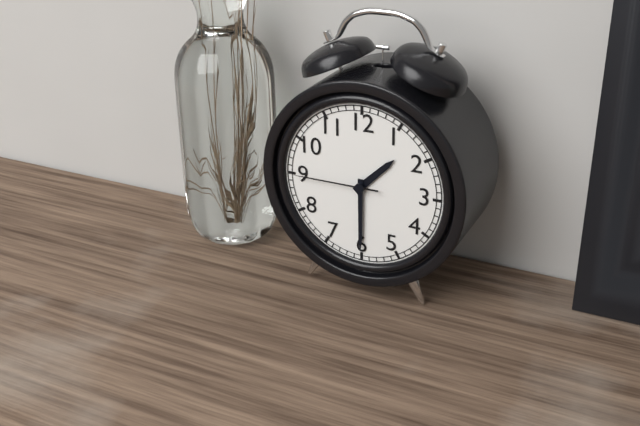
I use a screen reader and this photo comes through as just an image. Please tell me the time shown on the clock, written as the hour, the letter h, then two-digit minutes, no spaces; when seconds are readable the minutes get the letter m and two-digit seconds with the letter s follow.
1h30m45s
